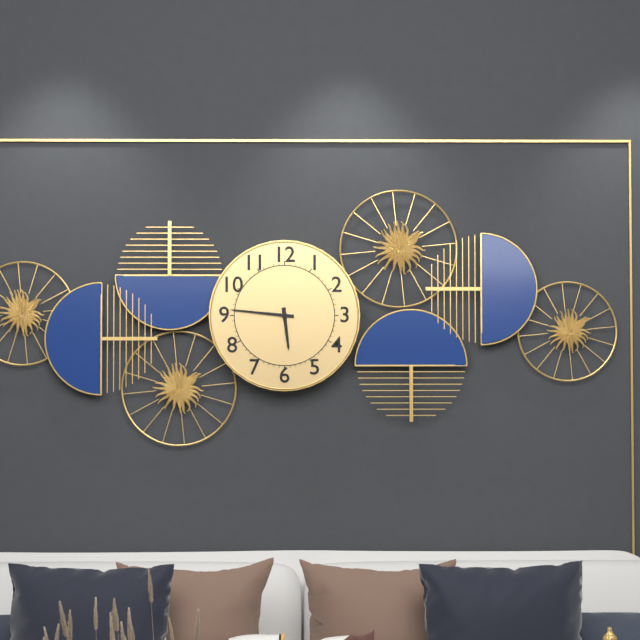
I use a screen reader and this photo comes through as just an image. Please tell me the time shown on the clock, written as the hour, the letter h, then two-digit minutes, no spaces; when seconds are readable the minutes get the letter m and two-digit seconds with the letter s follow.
5h46
